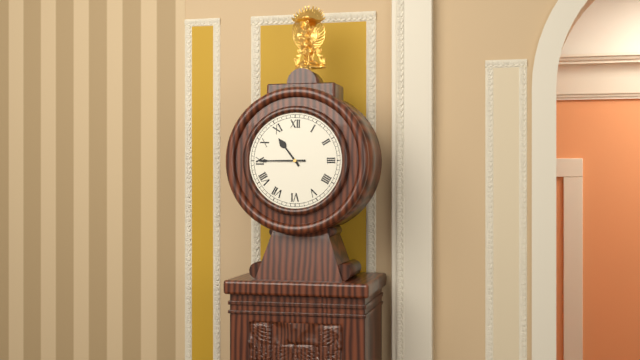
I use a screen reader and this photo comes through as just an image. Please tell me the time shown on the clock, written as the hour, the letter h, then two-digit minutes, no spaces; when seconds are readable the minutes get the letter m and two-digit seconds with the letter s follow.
10h45
